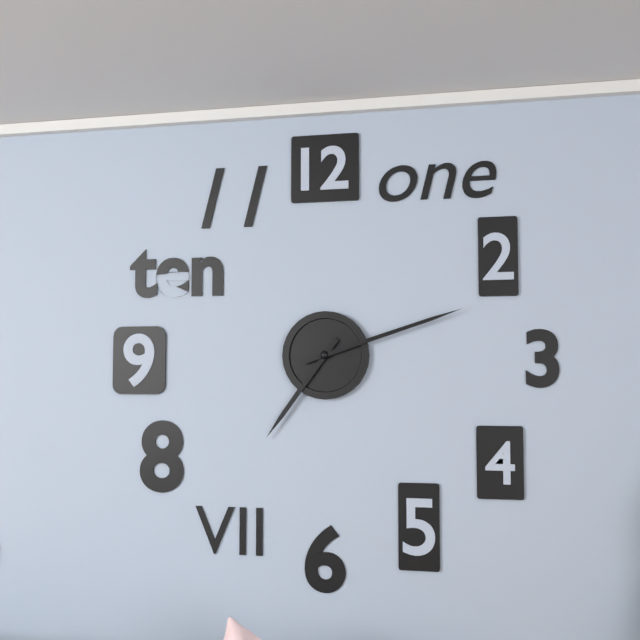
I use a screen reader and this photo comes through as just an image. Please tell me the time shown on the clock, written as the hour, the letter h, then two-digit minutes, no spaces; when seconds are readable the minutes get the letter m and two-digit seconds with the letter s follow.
7h12
